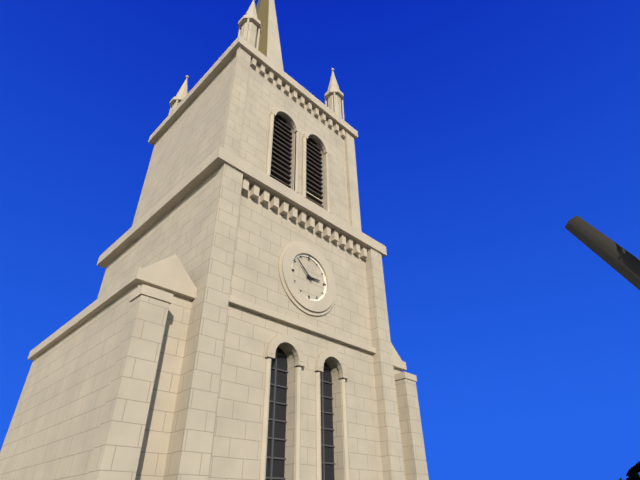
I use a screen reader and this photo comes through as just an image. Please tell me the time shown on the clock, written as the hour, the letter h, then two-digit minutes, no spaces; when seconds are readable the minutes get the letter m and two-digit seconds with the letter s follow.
2h52
